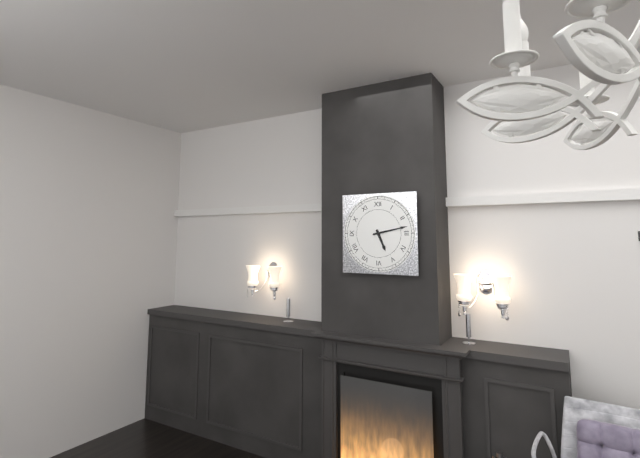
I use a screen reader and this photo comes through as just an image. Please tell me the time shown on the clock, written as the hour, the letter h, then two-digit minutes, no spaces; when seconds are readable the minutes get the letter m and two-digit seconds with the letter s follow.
5h13
